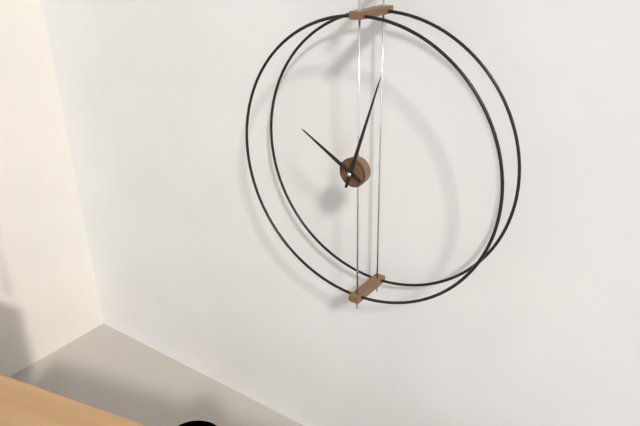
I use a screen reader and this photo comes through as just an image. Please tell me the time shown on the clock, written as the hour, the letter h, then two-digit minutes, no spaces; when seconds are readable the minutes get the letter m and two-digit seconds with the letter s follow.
10h03
